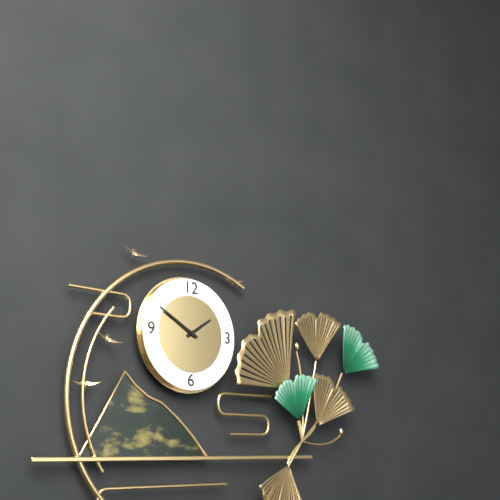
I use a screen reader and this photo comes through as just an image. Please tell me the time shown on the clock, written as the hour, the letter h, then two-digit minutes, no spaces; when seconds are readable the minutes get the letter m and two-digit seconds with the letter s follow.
1h50
